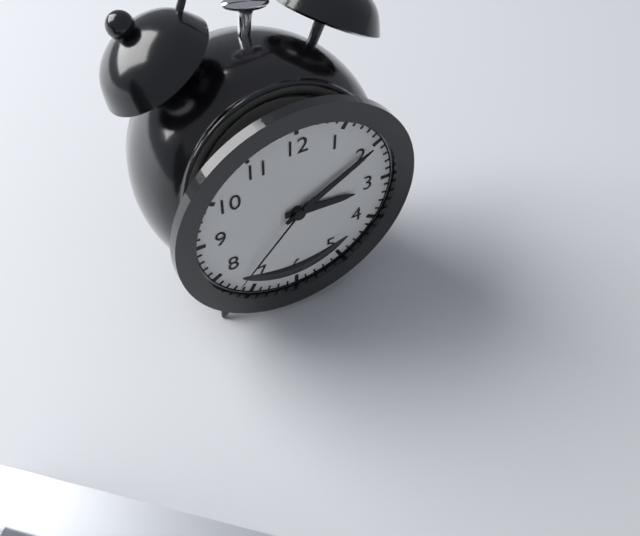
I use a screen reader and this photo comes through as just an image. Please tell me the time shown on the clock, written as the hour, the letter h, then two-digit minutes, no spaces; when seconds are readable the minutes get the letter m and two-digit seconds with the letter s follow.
3h10m37s
